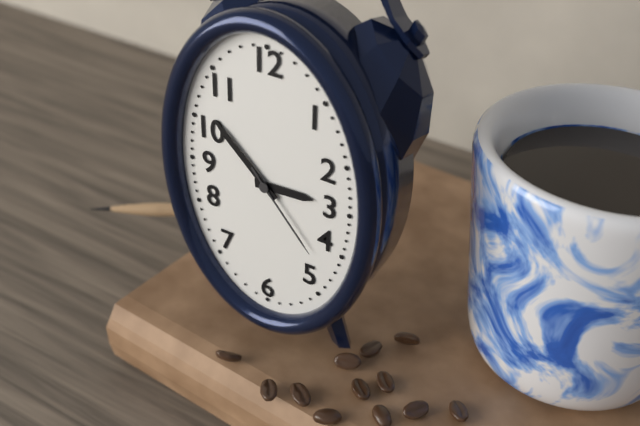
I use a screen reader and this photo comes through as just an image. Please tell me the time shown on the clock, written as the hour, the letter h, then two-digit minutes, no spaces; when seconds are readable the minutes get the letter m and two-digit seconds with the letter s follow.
2h52m23s
